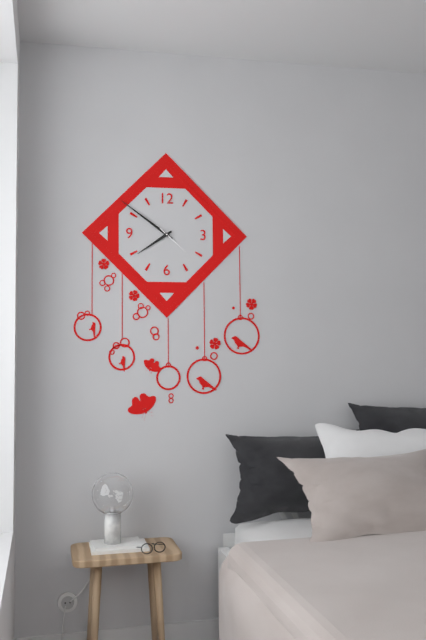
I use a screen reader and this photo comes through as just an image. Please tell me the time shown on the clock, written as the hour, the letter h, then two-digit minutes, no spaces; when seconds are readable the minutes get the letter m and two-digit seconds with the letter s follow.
7h51
